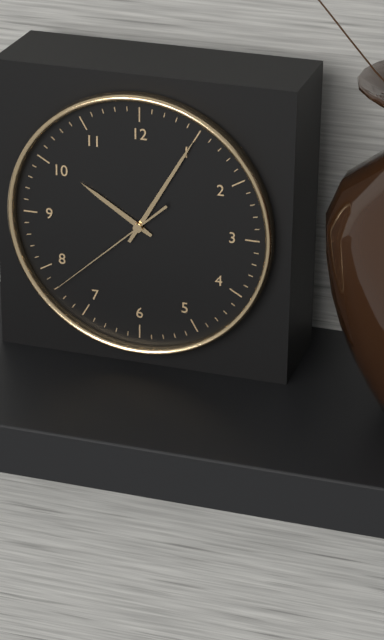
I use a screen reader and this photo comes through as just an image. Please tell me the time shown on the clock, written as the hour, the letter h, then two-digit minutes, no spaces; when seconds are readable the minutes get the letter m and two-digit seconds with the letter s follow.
10h05m38s
